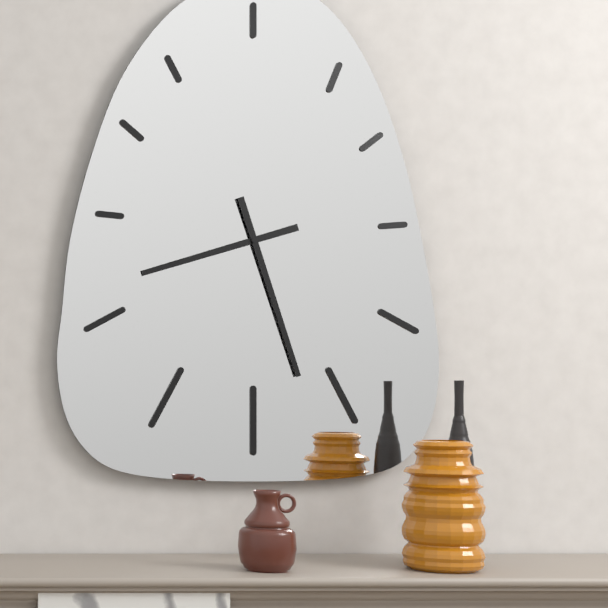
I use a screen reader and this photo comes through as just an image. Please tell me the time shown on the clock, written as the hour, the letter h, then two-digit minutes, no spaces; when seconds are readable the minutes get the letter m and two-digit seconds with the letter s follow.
8h27
